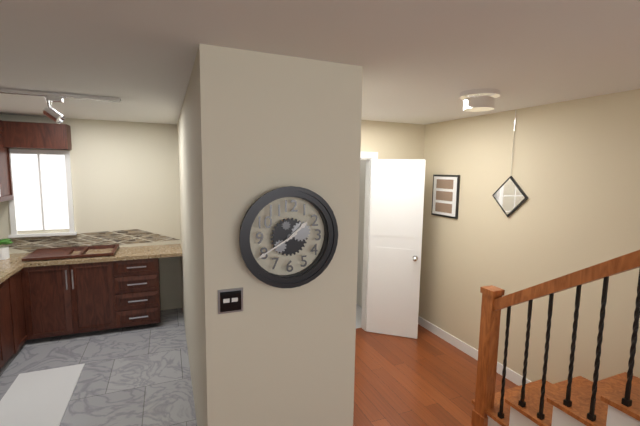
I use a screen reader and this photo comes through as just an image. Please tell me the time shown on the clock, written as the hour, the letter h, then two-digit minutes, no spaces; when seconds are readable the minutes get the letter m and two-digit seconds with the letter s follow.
1h40
